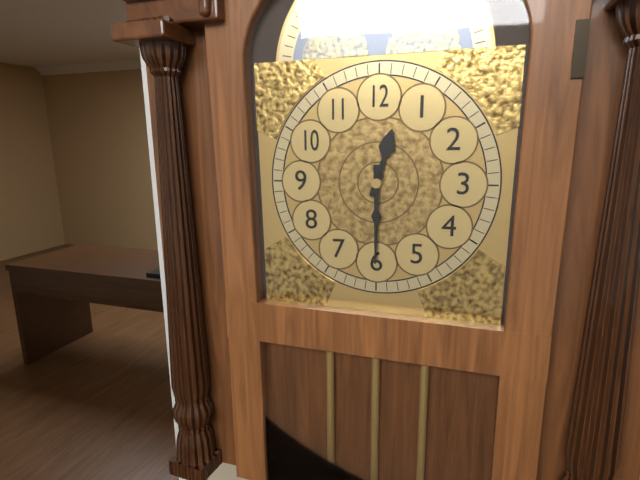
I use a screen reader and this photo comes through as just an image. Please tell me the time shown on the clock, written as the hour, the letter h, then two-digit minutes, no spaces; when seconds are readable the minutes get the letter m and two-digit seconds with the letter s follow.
12h30
